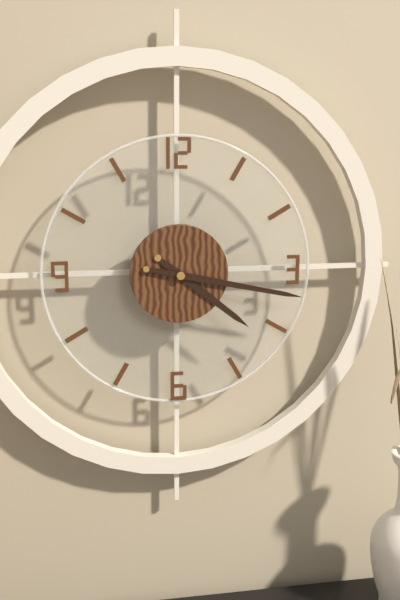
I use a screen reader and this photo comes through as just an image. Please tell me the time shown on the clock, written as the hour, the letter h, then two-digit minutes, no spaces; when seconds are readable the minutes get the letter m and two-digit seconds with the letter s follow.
4h17
